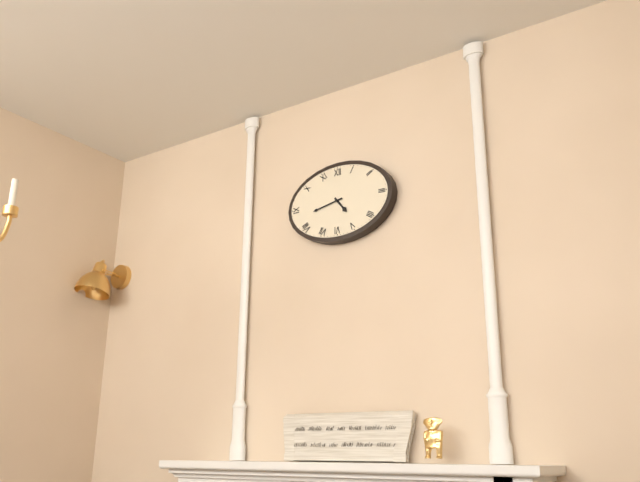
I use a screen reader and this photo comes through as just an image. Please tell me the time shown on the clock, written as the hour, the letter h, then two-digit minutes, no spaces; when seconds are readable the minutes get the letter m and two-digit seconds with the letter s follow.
4h43
